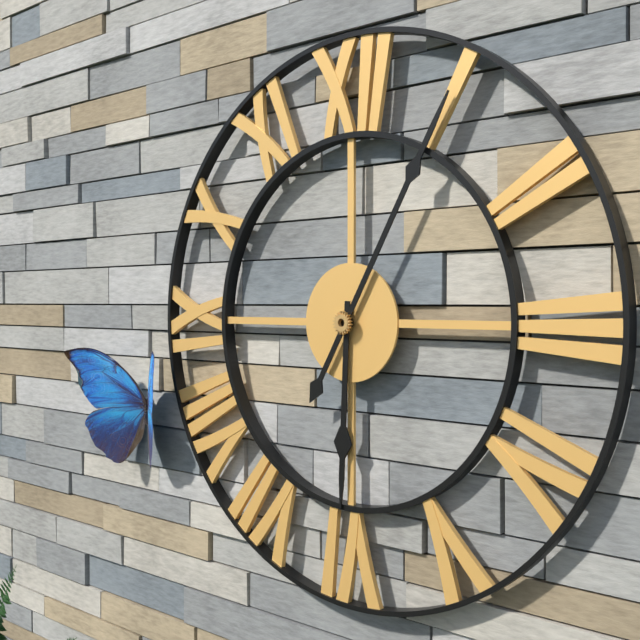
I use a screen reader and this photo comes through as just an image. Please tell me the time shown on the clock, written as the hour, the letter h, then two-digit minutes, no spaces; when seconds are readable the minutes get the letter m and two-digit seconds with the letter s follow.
6h05
